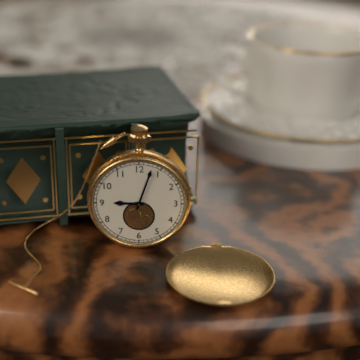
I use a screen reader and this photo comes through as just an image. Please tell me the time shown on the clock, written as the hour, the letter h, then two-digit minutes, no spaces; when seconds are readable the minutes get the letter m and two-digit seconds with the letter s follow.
9h03
